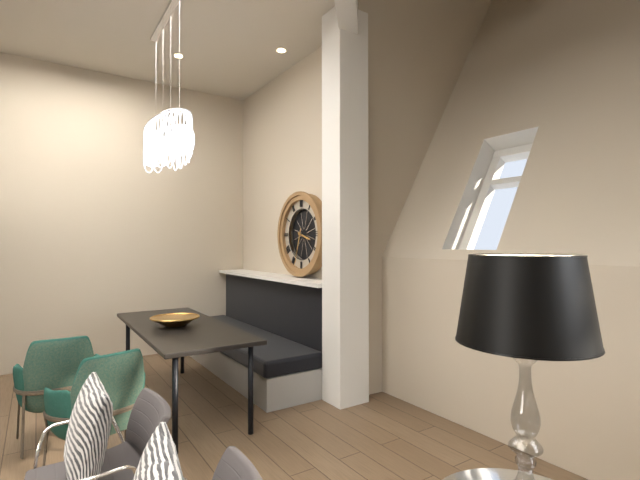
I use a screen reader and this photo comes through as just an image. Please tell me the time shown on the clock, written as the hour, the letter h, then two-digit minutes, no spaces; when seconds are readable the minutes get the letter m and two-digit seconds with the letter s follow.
3h33
